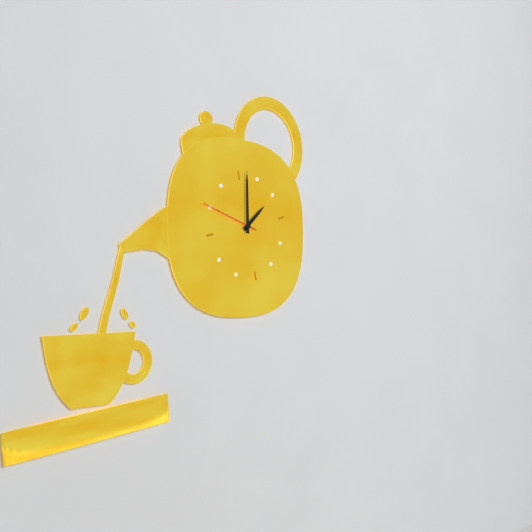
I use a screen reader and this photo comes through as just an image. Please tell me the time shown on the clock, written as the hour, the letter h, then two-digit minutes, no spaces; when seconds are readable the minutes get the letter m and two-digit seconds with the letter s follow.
2h02m50s
